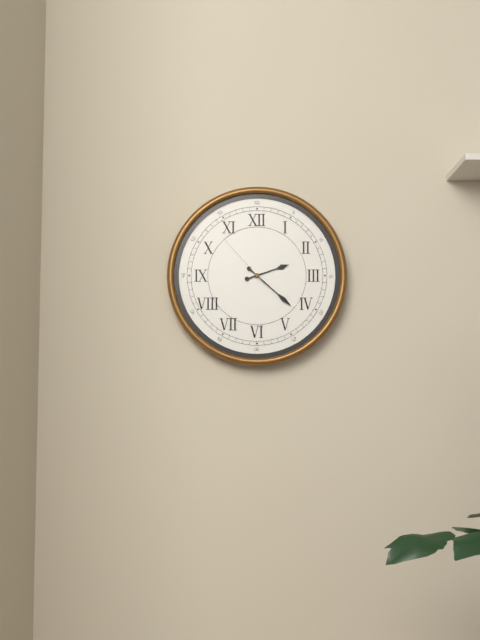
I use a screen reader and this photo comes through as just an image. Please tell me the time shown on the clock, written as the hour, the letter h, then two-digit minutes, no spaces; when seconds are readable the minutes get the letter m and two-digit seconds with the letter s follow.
2h22m53s
